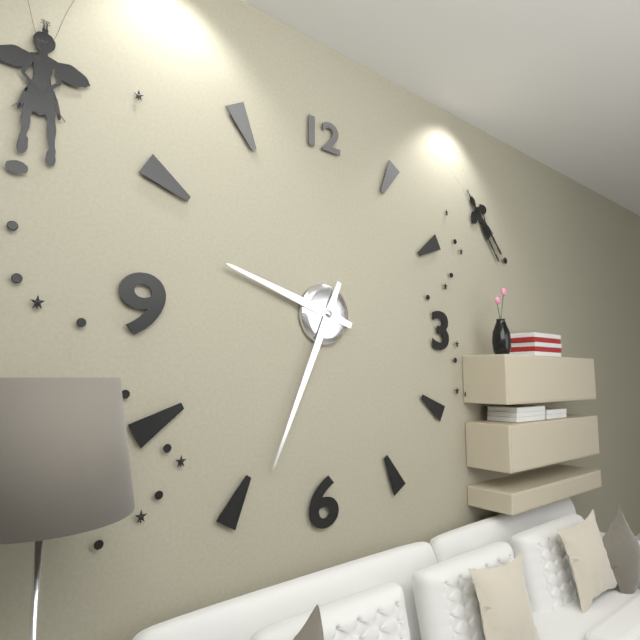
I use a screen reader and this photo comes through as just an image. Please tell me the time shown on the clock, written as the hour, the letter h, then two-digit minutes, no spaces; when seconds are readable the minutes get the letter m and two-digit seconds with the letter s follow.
9h34
